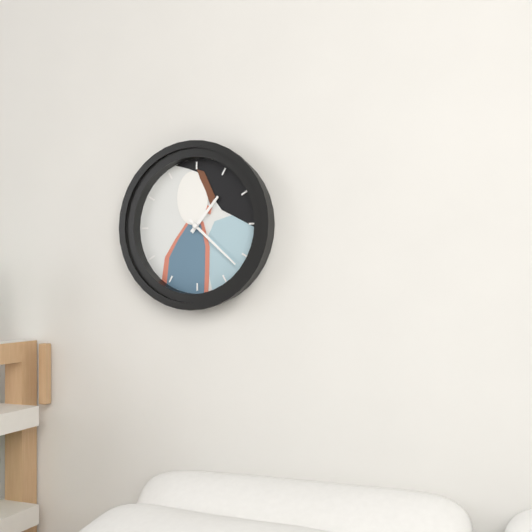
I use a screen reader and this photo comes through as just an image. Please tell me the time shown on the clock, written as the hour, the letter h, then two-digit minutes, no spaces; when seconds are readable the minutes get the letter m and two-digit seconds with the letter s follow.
1h22
